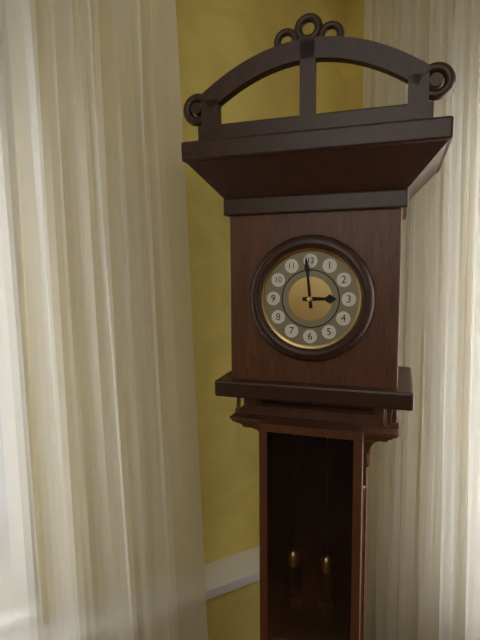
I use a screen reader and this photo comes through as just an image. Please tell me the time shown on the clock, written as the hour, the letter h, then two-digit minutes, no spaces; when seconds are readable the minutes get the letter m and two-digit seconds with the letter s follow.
2h59
